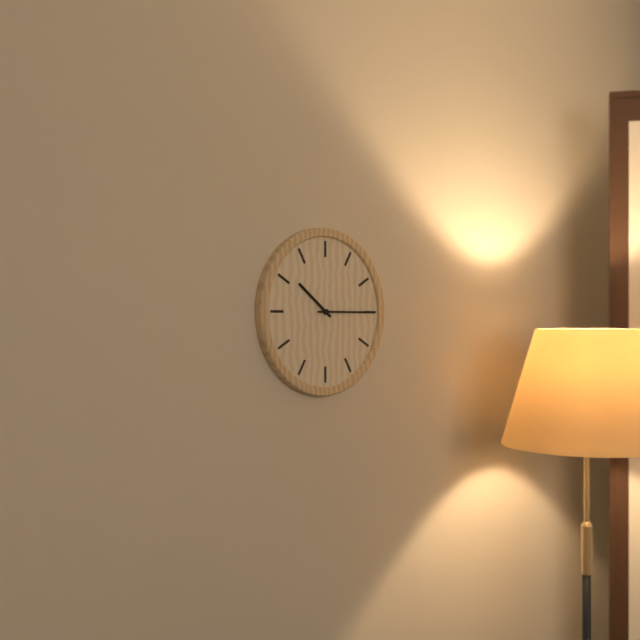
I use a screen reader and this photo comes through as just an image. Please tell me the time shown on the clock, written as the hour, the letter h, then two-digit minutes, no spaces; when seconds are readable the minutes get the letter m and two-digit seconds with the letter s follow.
10h15
